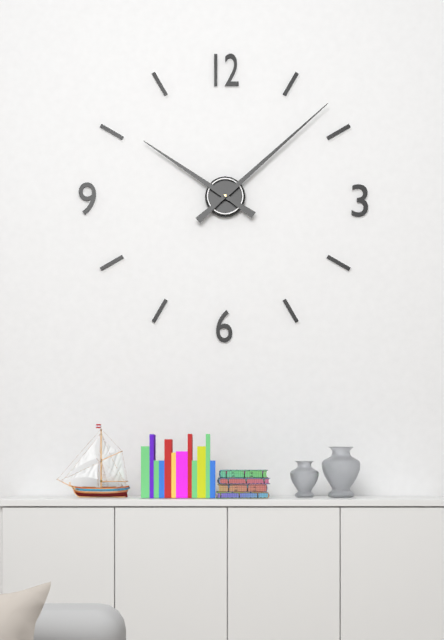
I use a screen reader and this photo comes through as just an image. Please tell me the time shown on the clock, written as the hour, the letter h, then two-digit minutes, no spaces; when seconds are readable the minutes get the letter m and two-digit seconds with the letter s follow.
10h08
